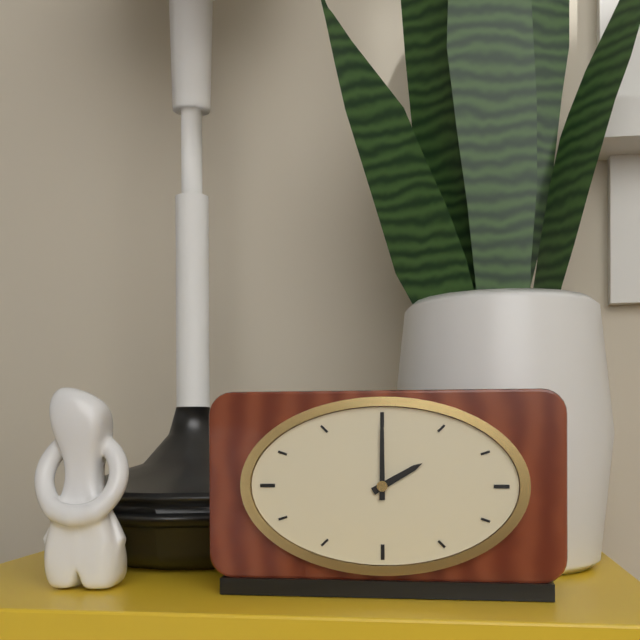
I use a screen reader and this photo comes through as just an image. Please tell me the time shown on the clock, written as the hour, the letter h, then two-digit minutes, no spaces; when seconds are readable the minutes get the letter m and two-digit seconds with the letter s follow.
2h00
